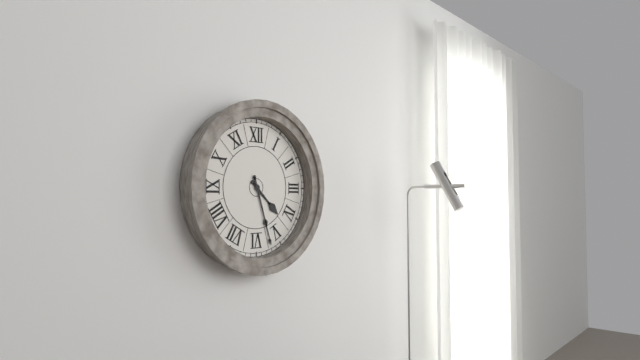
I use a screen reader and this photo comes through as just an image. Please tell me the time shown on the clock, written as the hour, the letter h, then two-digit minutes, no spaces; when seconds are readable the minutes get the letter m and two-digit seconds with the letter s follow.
4h27
